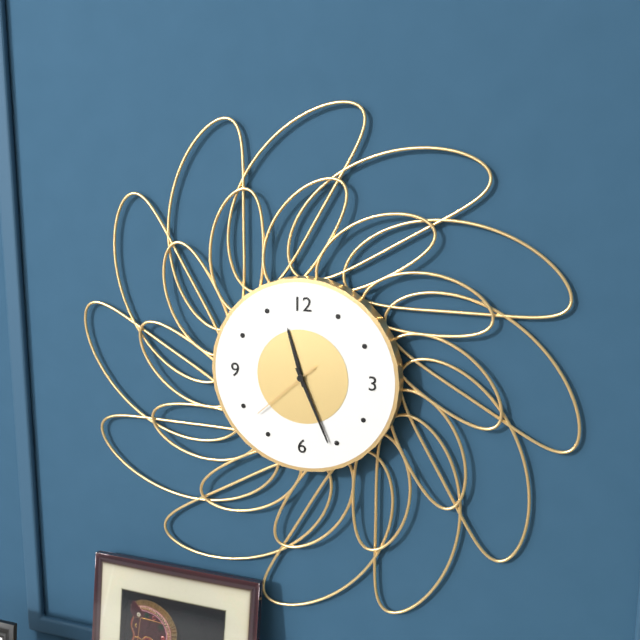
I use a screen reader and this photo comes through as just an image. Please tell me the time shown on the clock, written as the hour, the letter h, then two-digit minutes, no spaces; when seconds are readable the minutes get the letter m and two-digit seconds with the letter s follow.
11h26m38s
